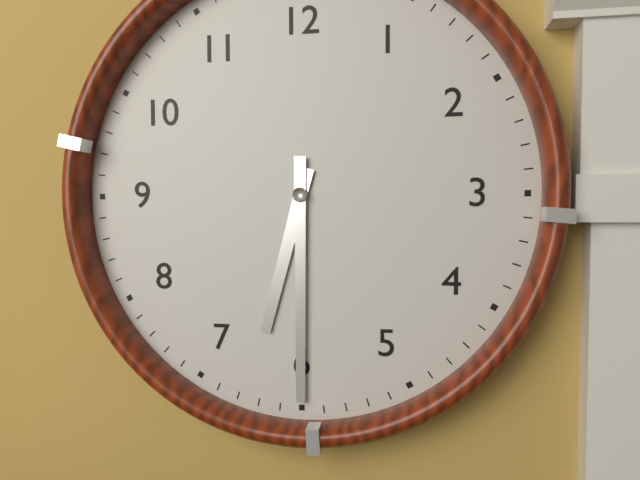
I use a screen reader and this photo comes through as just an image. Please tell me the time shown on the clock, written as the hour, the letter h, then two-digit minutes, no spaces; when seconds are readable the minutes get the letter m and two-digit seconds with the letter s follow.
6h30
